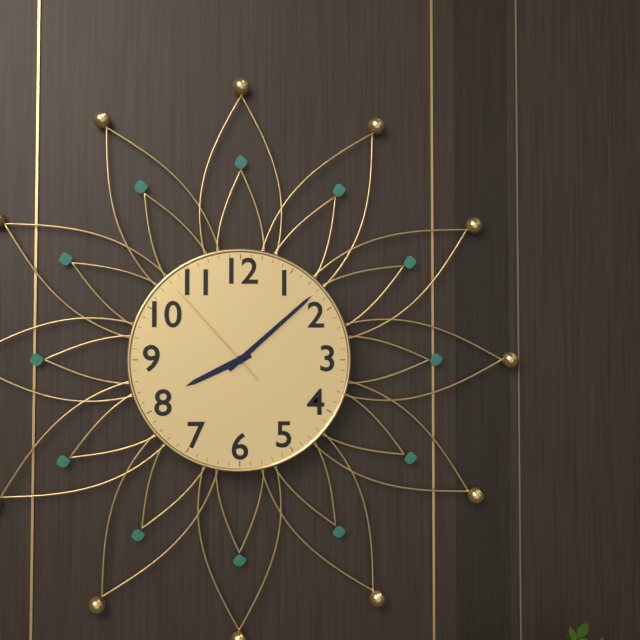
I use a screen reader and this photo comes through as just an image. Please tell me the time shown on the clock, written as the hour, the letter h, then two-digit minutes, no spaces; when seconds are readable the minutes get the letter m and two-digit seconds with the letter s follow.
8h08m53s
